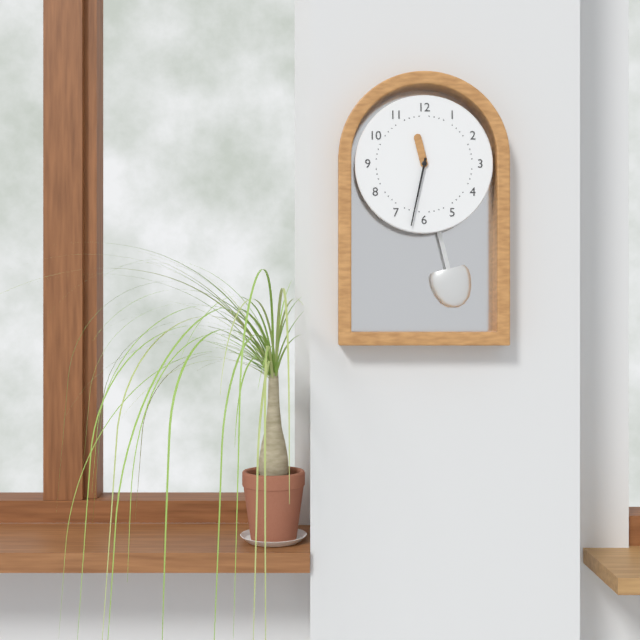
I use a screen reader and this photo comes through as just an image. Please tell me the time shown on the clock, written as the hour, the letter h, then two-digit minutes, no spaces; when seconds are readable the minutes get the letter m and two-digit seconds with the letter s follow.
11h32
